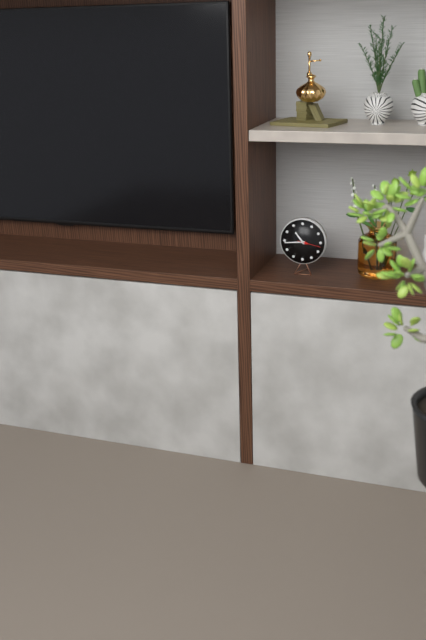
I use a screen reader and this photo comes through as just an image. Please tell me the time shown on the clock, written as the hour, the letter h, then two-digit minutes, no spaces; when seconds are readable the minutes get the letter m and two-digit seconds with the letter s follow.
10h44
